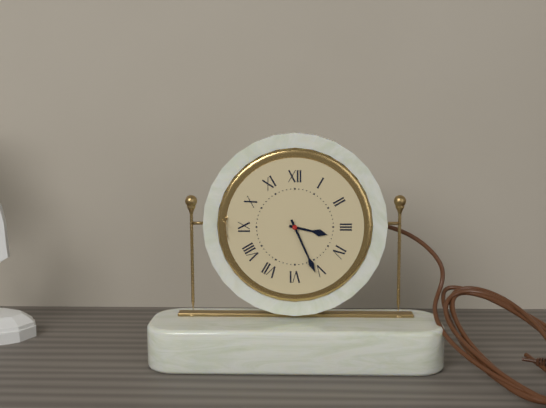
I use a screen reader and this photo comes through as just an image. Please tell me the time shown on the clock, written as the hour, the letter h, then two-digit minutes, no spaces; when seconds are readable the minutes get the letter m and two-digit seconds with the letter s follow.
3h26
